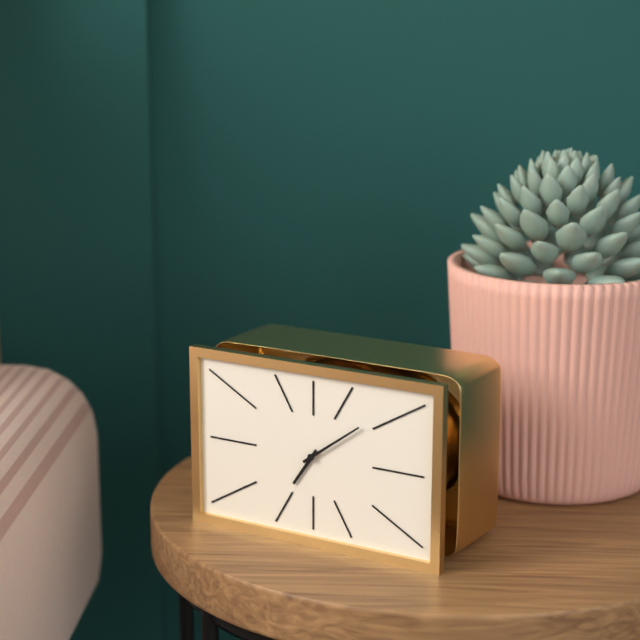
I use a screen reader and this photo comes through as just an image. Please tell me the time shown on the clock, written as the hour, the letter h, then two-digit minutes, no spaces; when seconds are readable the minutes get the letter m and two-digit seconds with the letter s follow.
7h09
